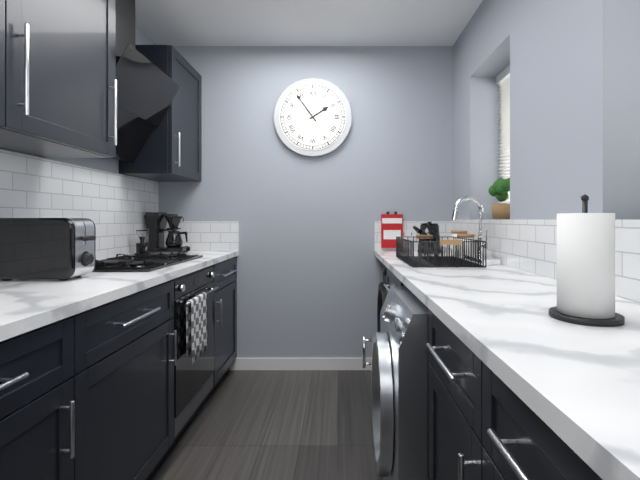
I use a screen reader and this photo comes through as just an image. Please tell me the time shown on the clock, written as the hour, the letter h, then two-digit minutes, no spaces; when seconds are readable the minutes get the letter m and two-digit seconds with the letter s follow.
1h54
